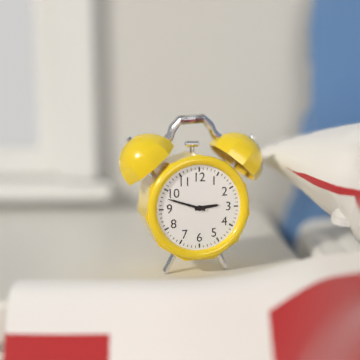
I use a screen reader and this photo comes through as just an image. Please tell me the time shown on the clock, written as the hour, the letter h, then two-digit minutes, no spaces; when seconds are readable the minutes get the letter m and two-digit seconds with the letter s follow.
2h48
